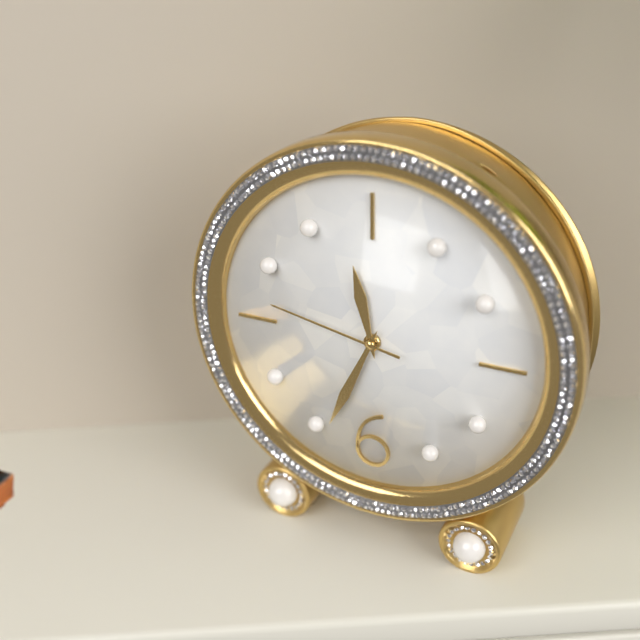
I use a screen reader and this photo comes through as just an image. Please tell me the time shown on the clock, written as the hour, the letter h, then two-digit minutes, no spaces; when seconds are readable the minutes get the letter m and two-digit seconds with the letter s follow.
11h34m47s
